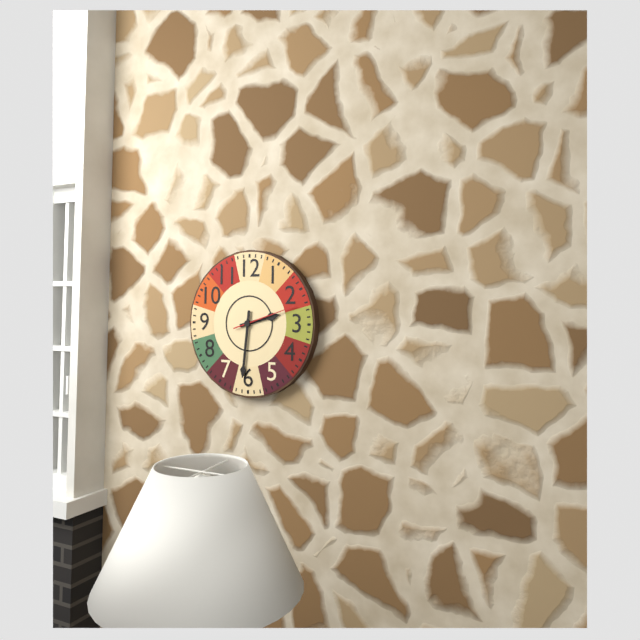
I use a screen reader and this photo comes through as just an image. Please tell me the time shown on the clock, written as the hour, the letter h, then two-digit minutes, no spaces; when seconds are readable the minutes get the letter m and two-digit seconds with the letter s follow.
2h31m12s
